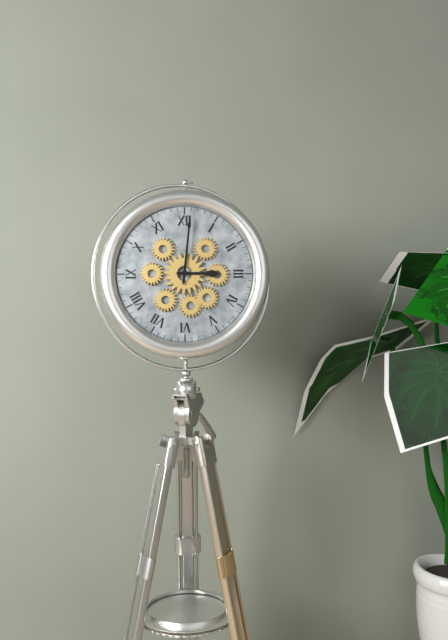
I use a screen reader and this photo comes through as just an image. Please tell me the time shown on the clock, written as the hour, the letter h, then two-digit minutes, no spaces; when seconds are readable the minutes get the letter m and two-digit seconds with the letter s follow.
3h01
